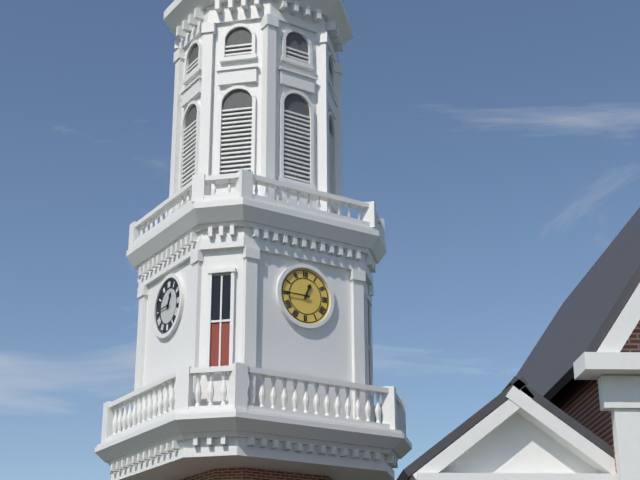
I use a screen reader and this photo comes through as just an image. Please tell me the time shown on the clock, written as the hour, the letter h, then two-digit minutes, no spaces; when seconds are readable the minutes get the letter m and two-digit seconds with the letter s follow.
12h45
